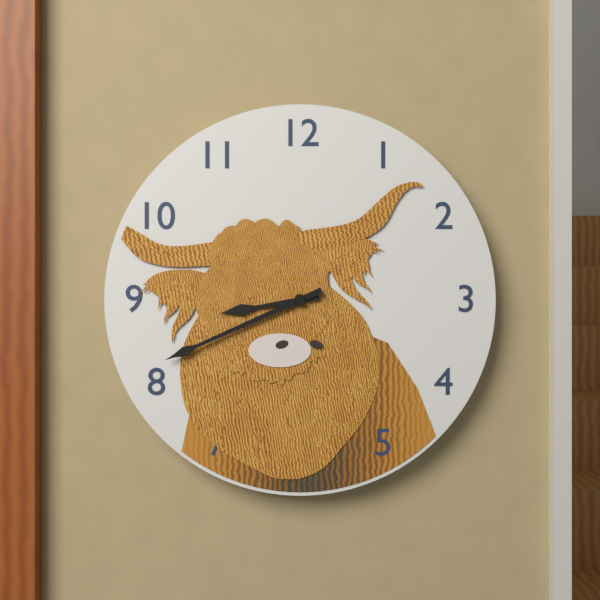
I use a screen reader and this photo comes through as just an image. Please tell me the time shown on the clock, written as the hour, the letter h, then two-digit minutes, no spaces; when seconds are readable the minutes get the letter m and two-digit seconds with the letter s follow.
8h41
